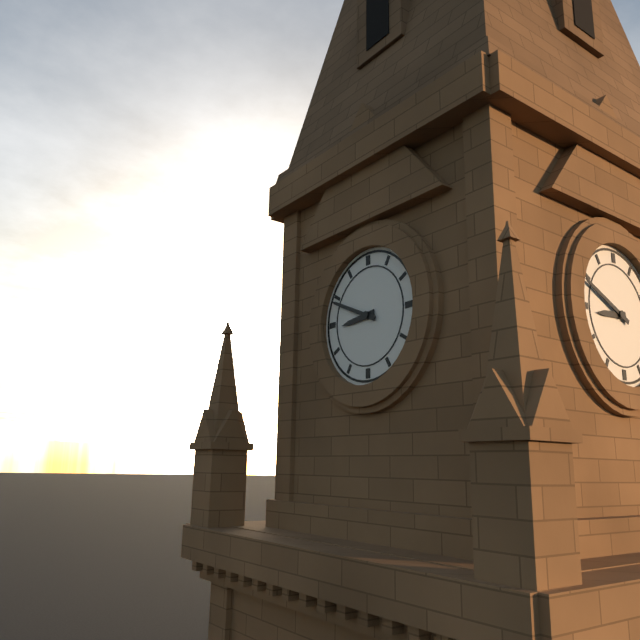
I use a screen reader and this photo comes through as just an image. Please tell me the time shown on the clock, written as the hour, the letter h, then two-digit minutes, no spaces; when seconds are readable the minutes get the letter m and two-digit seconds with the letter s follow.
8h49
